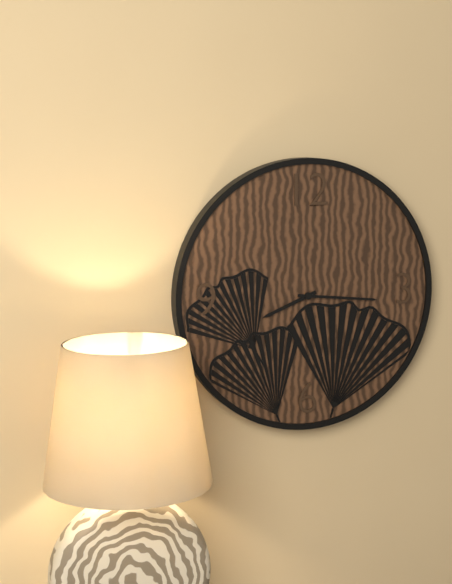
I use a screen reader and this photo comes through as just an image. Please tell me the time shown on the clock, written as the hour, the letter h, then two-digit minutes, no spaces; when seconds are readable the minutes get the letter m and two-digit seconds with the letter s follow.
8h16
